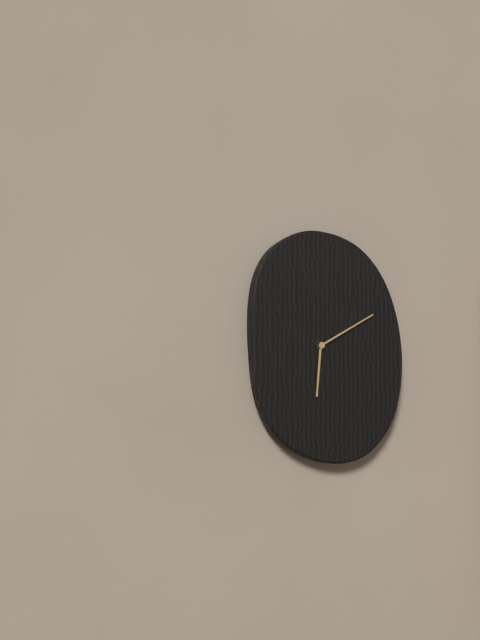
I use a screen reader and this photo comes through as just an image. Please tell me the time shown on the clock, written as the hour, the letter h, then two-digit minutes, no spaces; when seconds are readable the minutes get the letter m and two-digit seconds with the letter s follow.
6h10
